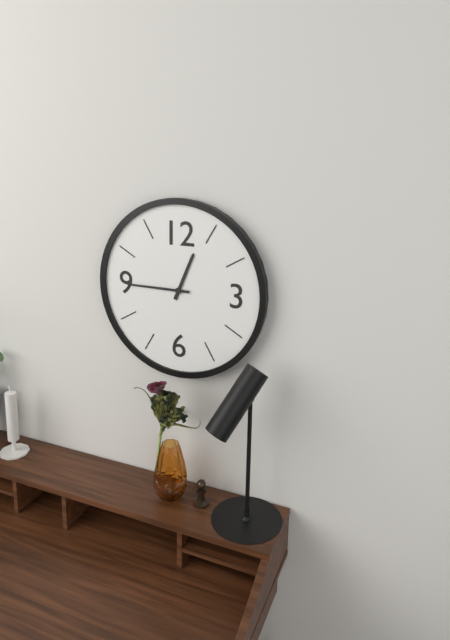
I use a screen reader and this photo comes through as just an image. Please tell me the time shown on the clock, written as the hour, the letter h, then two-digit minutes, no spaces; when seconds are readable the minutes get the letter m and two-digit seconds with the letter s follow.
12h45
